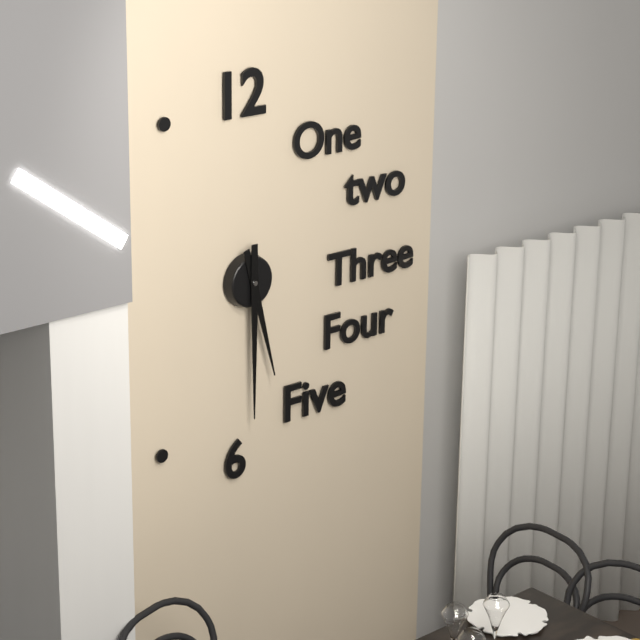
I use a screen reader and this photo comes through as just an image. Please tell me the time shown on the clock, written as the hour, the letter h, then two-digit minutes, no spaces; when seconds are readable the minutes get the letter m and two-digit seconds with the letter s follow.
5h30
